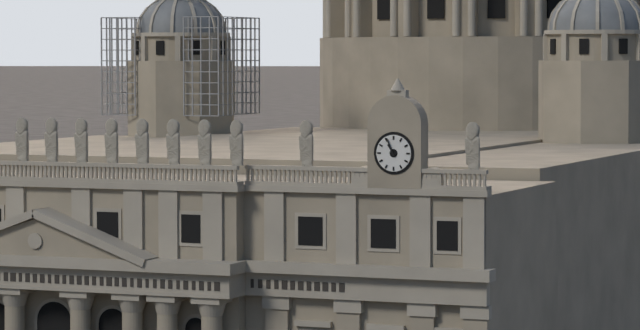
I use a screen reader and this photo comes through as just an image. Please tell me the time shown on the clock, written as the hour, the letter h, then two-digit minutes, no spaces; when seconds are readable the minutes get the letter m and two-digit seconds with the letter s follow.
10h56
